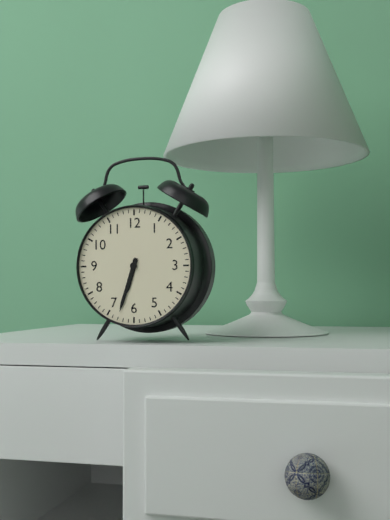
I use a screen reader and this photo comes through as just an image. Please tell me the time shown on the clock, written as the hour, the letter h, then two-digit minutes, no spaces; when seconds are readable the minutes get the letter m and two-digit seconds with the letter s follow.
6h33
